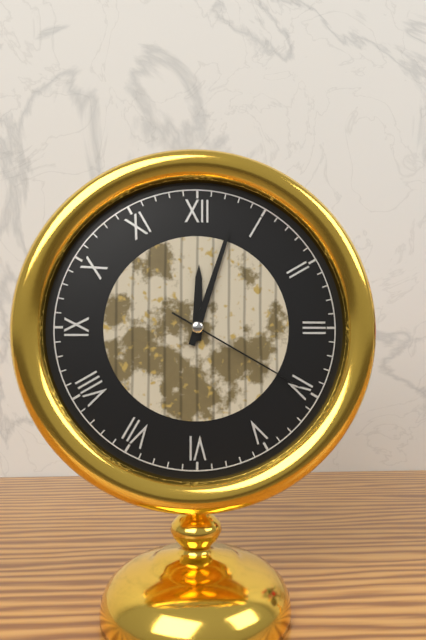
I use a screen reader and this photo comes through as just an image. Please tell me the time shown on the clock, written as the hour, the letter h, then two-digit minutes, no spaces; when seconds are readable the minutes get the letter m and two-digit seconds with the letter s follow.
12h03m20s
